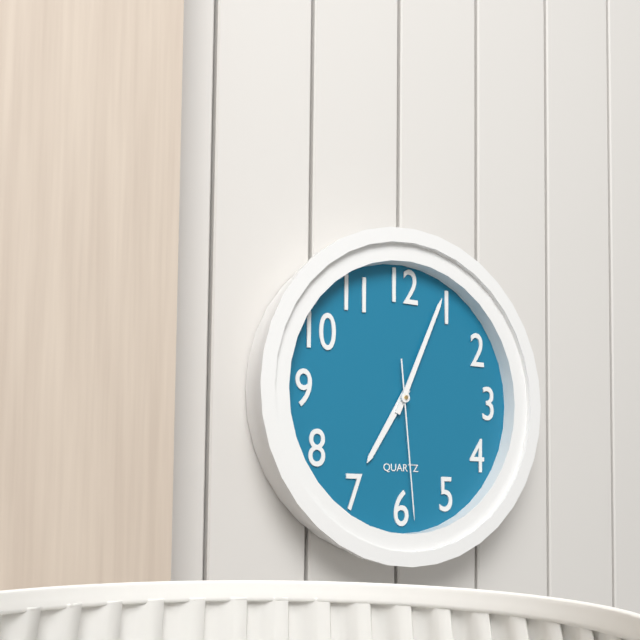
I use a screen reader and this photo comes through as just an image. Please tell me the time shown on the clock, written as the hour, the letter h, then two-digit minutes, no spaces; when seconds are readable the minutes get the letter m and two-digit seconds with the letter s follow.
7h04m29s
